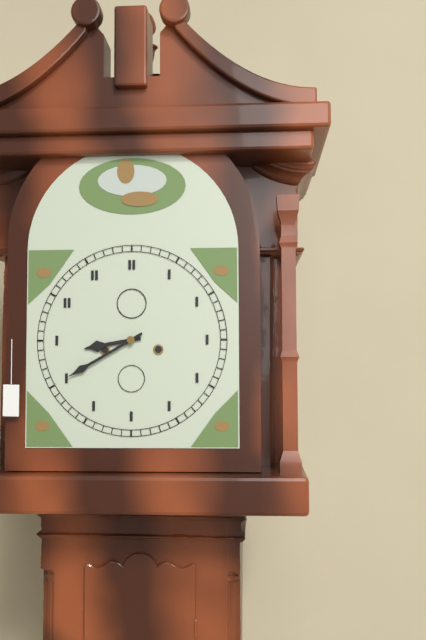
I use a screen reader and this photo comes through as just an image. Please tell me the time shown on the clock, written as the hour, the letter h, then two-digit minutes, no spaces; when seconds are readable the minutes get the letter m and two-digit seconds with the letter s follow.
8h40
